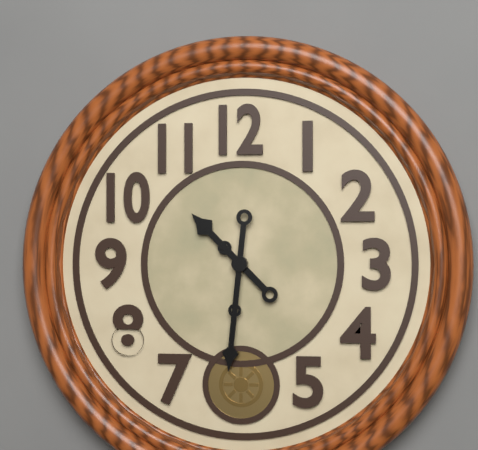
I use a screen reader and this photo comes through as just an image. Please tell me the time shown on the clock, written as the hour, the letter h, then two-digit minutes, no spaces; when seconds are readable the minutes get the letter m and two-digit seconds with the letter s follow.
10h31
